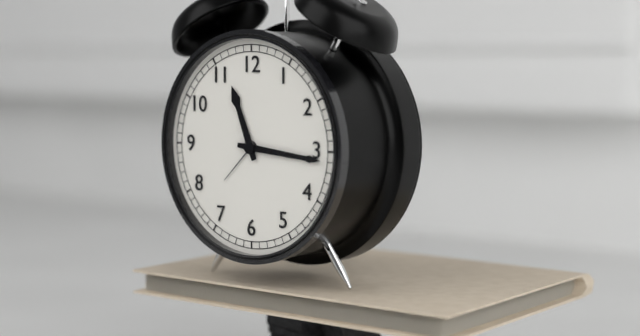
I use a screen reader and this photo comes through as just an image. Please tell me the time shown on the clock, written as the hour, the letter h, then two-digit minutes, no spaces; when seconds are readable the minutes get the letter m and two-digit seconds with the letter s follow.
11h16
